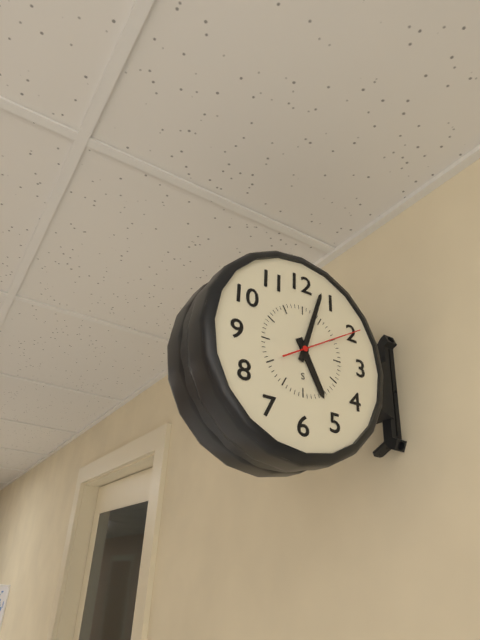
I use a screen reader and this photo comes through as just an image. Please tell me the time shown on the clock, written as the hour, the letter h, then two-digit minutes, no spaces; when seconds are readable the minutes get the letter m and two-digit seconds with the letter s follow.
5h03m10s
